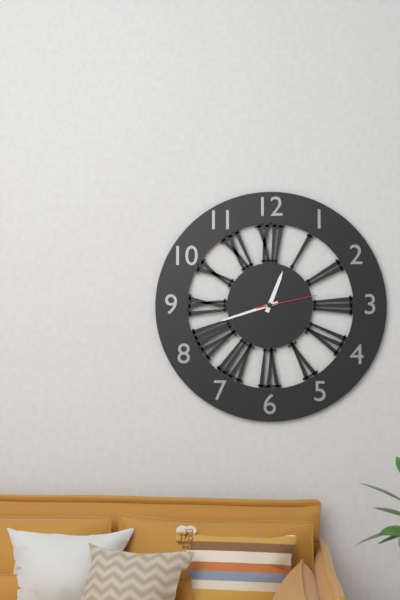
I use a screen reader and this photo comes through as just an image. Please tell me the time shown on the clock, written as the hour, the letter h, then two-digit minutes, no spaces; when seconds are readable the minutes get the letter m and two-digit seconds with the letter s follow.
12h42m13s
